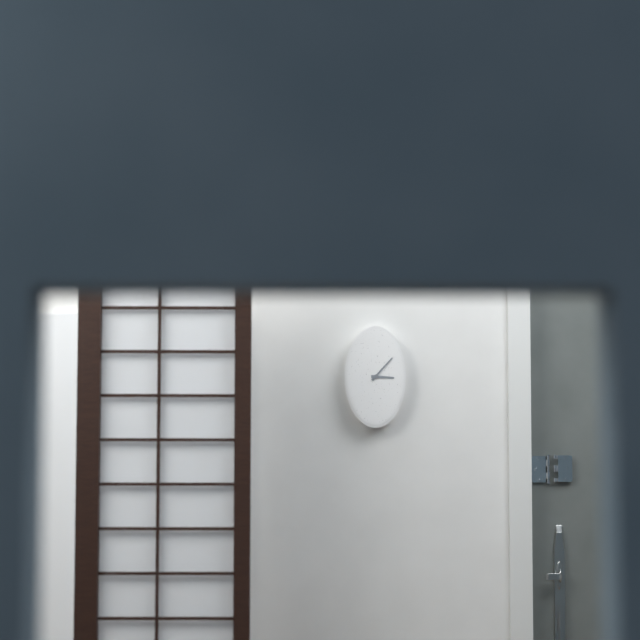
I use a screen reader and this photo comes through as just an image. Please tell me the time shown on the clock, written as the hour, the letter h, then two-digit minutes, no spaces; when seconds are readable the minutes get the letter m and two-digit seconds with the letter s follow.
3h07
